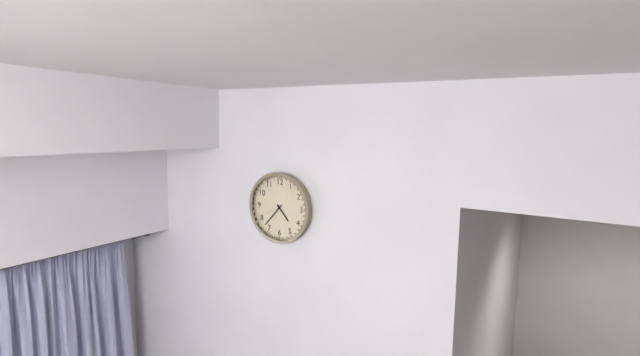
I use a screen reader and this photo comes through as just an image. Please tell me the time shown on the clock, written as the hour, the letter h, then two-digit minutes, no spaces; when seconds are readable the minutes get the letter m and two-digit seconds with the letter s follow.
4h37
